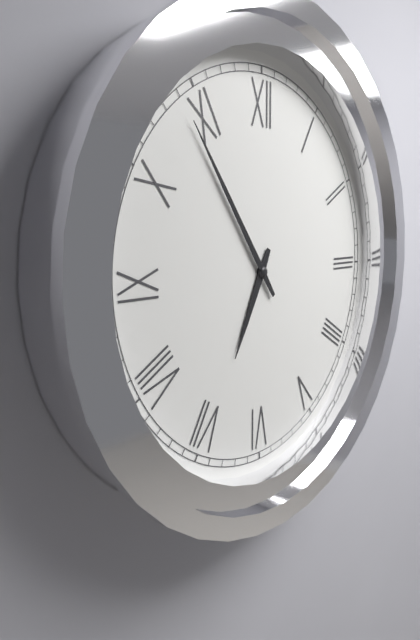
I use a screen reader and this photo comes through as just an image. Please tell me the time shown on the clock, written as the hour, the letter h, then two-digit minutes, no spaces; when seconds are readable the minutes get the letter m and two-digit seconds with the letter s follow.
6h54
